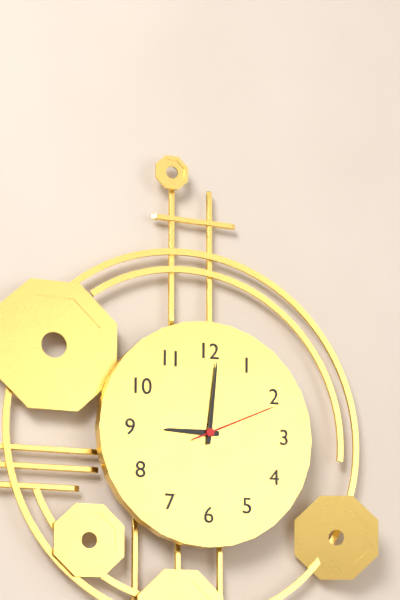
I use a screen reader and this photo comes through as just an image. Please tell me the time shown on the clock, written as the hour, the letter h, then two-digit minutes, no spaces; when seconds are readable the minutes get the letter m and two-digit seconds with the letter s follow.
9h01m11s
